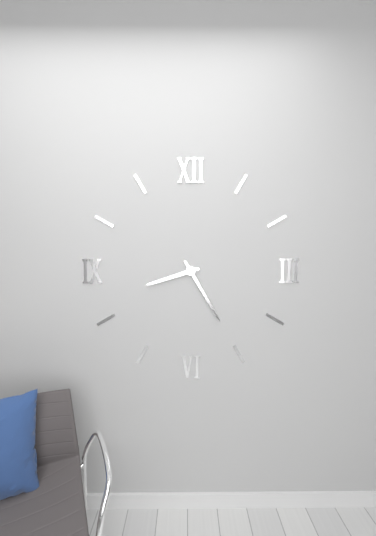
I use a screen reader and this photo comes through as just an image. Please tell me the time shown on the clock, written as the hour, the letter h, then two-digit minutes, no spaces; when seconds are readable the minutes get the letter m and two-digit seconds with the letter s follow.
8h25
